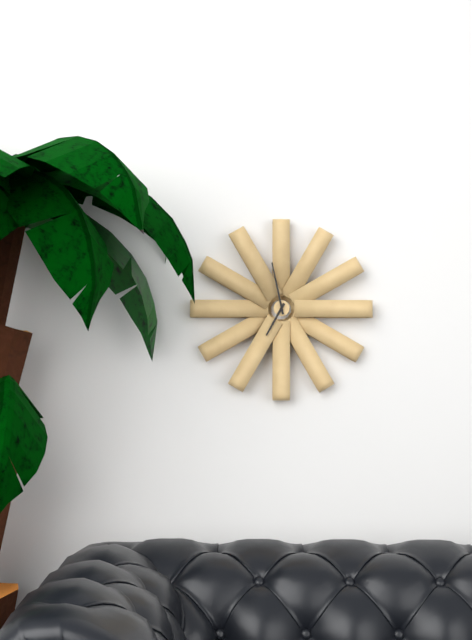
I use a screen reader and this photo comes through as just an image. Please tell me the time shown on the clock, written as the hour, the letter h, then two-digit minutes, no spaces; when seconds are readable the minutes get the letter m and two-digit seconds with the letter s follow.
6h58
